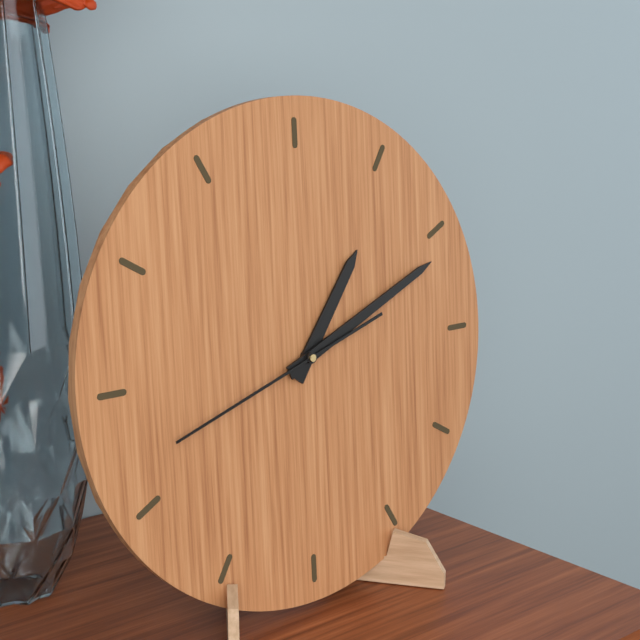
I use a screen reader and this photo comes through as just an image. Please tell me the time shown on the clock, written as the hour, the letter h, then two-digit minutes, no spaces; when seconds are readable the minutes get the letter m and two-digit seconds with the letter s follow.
1h11m42s
